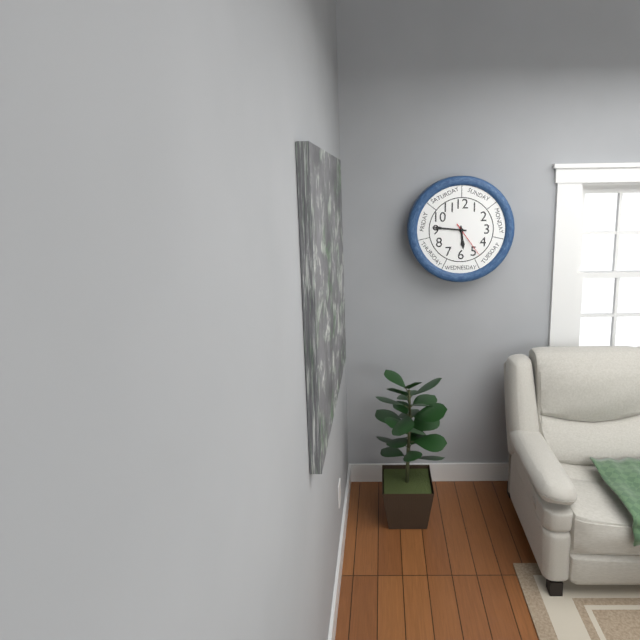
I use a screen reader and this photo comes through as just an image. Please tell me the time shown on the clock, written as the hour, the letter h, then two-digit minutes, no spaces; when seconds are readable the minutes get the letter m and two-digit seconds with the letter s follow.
5h46
